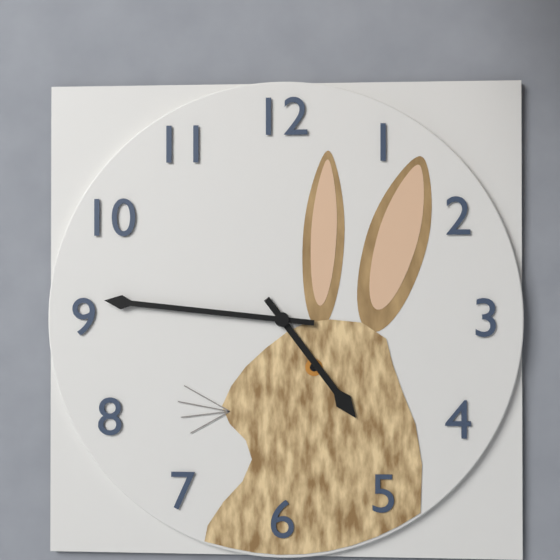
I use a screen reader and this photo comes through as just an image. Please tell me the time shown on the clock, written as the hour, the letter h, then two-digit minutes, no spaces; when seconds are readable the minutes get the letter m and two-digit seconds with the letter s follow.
4h46
